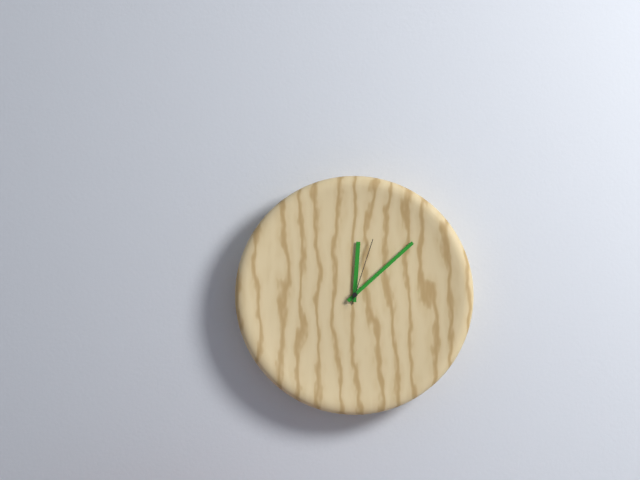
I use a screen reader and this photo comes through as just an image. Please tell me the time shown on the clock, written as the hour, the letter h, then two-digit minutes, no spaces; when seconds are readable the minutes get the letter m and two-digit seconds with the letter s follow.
12h08m03s
